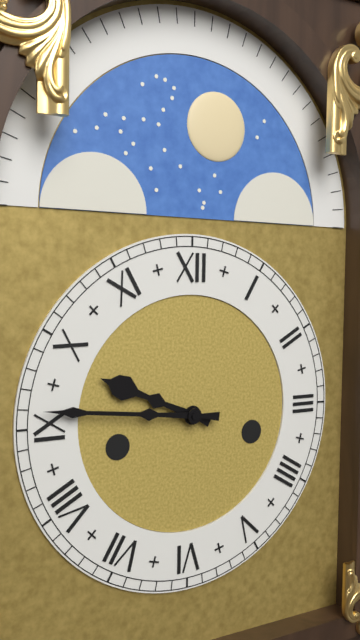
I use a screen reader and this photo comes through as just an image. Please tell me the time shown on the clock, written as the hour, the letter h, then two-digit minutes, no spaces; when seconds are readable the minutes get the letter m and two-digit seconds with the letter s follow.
9h46
